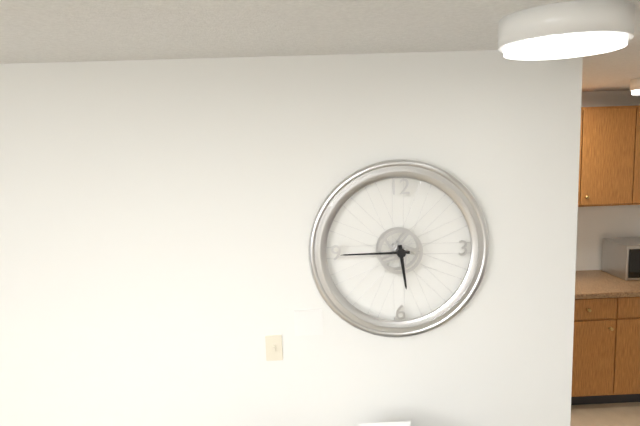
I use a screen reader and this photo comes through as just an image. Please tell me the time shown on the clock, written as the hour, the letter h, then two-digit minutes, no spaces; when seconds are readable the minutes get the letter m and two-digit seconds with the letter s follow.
5h45
